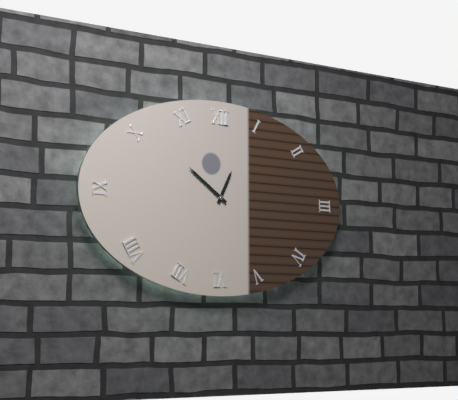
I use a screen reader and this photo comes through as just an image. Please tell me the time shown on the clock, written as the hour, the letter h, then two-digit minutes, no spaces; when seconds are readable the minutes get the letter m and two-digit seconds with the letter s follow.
12h51
